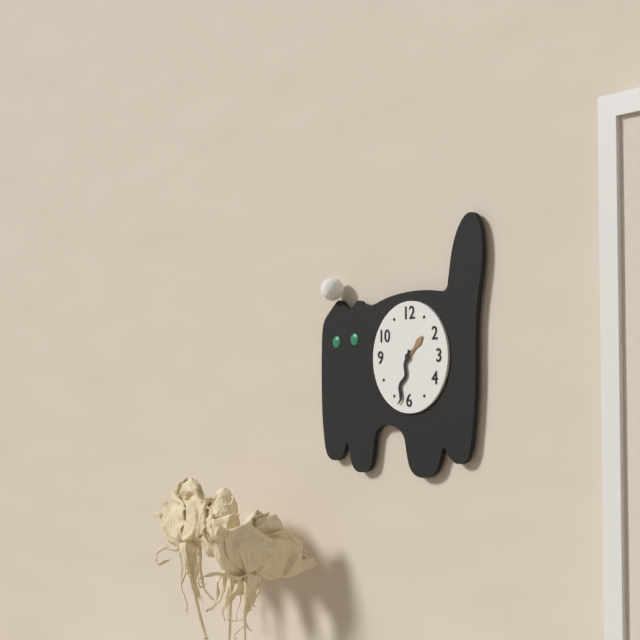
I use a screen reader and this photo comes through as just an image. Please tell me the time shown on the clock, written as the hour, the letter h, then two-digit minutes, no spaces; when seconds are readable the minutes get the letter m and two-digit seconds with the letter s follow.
1h33
